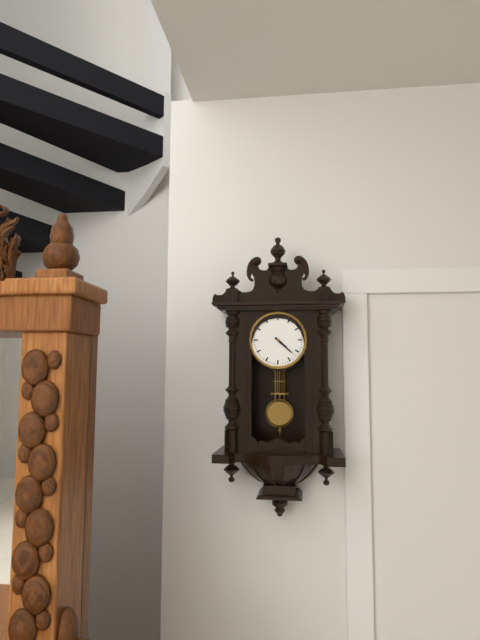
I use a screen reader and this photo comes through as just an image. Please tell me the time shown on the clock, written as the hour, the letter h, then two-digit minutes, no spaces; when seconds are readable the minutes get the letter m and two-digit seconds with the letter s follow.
4h22
